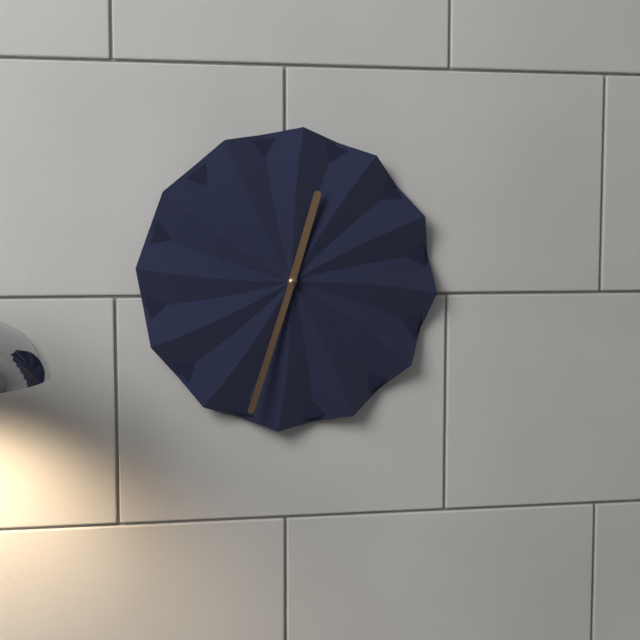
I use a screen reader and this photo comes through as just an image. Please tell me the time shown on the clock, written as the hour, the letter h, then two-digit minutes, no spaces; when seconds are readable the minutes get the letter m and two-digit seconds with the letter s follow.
12h33
